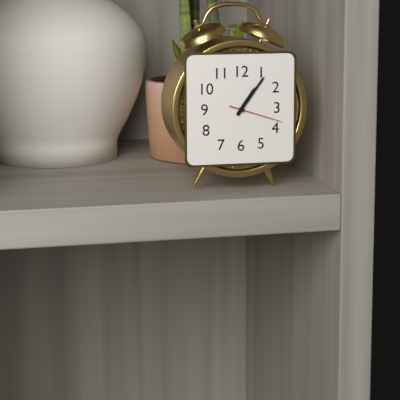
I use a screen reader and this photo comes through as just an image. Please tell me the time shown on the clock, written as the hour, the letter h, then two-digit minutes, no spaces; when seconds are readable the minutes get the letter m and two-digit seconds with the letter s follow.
1h06m18s
